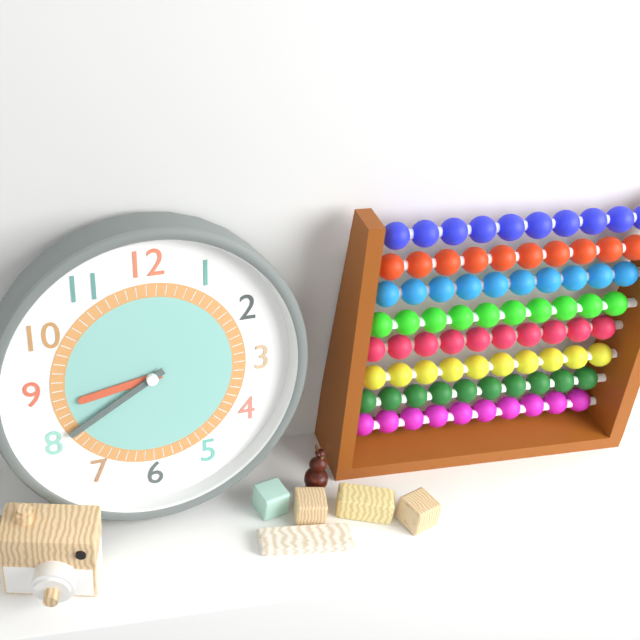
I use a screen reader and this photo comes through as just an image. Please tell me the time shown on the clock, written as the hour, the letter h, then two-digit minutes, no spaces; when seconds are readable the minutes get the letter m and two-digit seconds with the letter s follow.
8h40
